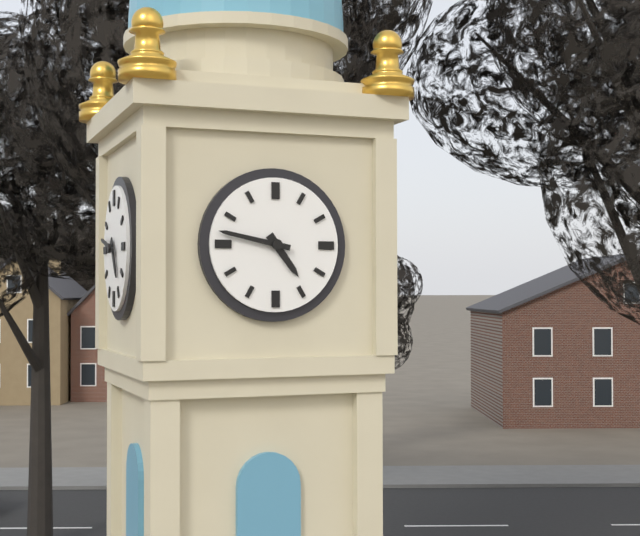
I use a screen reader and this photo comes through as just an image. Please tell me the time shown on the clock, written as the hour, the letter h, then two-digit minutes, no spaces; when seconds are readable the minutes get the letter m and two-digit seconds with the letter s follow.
4h47
